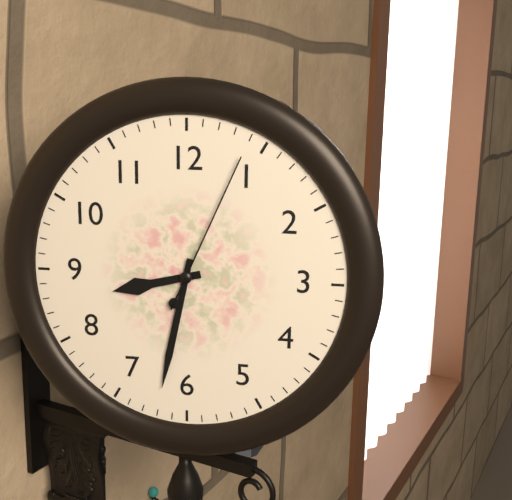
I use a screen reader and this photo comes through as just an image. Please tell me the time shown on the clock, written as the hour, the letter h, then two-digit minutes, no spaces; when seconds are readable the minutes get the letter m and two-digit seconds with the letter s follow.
8h32m04s
